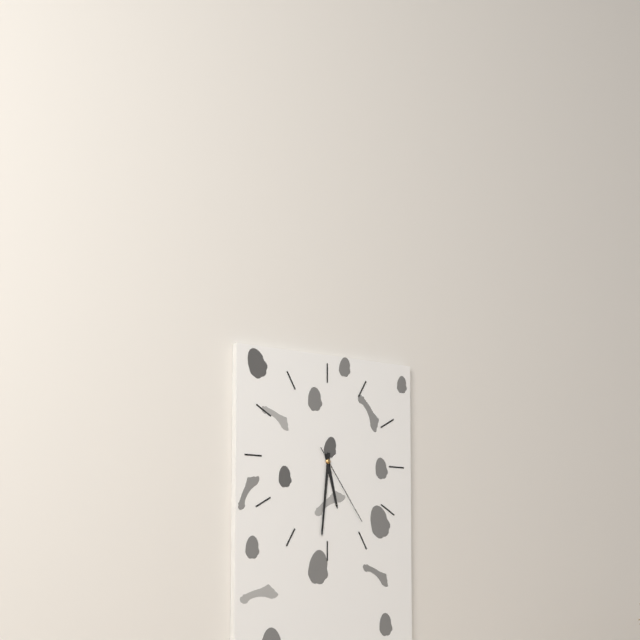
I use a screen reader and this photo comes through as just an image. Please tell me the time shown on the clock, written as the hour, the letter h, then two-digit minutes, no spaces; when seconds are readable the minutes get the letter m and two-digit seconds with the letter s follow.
5h31m24s
